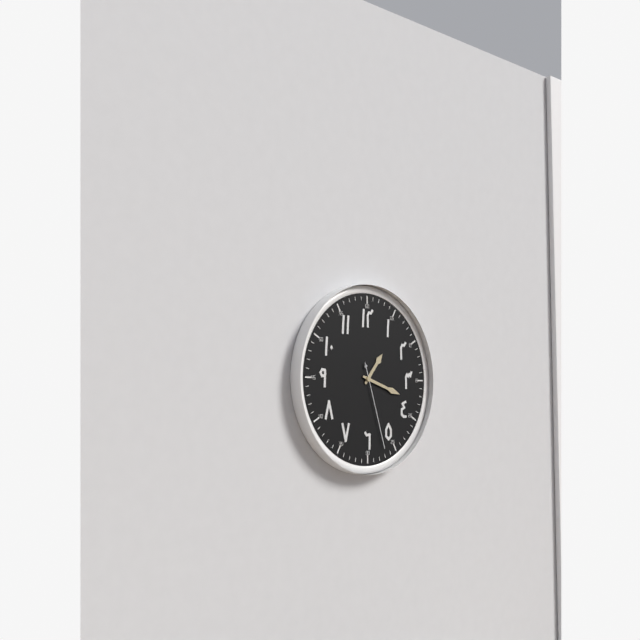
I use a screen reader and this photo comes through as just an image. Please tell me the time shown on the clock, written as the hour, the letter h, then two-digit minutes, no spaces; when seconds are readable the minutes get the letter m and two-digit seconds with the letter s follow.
1h18m27s
